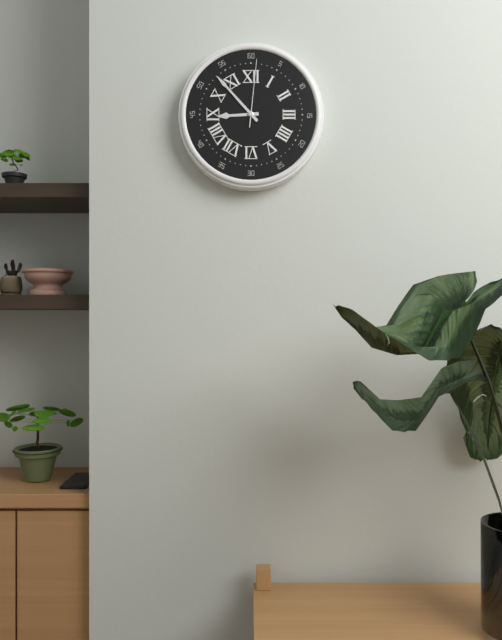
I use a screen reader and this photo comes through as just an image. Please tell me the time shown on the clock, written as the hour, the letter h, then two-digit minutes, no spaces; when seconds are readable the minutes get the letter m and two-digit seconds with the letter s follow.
8h53m01s
